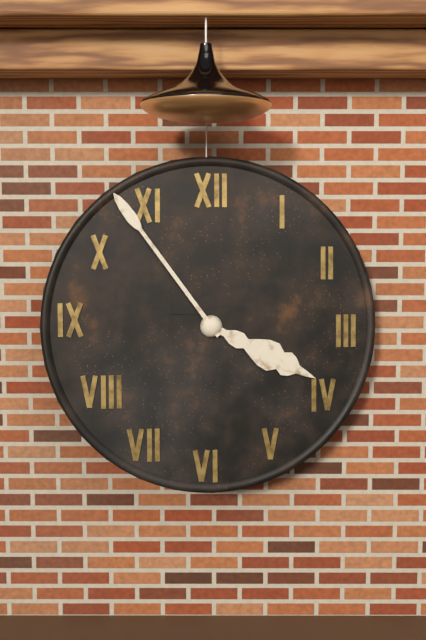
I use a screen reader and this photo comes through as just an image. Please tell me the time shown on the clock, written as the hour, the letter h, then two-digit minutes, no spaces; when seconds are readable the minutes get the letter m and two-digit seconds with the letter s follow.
3h54
